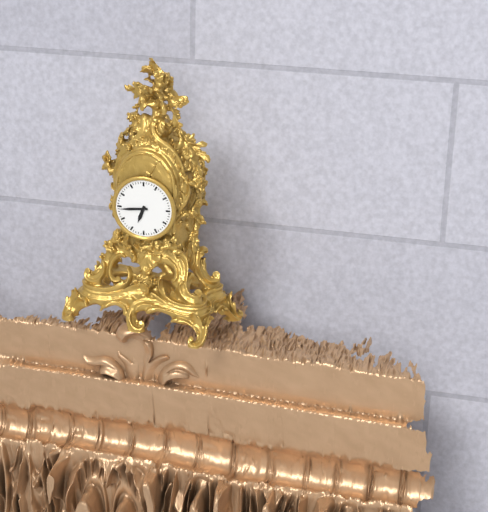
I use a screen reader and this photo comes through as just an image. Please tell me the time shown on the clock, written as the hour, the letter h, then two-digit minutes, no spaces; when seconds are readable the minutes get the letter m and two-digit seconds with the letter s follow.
6h44
